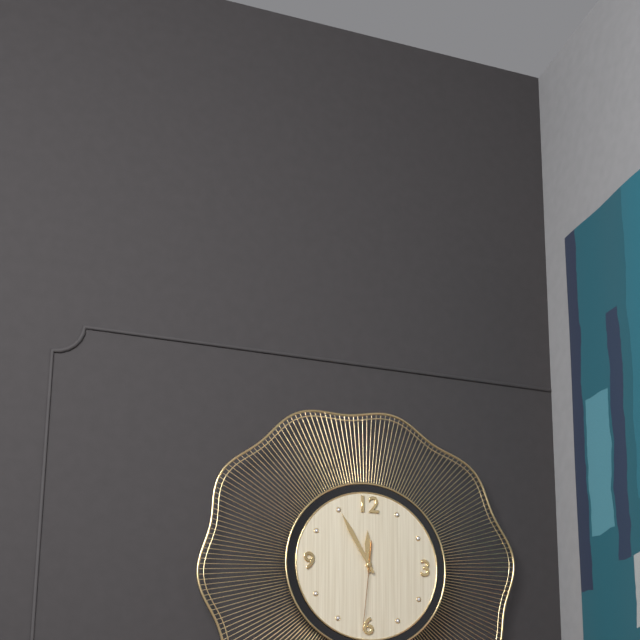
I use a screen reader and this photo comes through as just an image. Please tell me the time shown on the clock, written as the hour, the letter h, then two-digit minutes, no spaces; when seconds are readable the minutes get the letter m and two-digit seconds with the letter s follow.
11h55m31s
